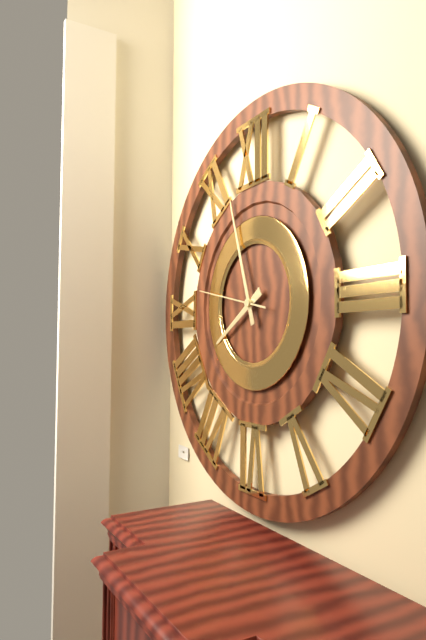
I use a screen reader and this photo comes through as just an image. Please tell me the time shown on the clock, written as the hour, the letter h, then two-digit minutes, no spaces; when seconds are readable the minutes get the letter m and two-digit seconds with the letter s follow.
7h57m47s
